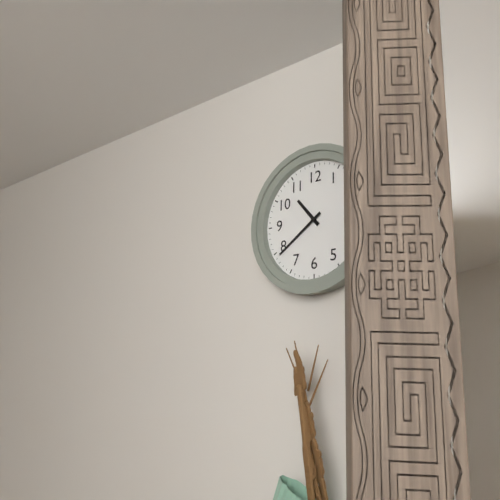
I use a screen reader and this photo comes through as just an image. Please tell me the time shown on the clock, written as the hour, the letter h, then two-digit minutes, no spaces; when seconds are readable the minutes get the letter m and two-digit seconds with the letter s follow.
10h39
